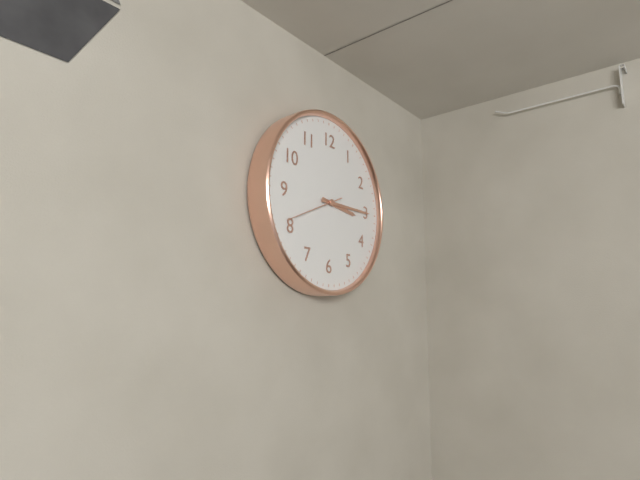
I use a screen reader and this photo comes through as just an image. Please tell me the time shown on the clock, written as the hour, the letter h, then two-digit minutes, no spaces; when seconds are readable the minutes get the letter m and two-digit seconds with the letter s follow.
3h15m41s
